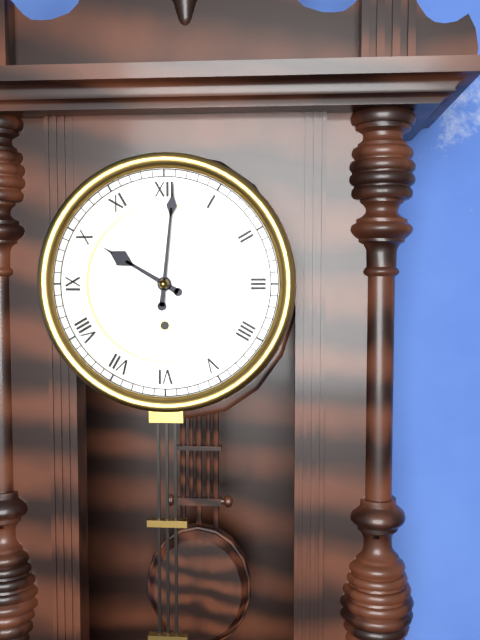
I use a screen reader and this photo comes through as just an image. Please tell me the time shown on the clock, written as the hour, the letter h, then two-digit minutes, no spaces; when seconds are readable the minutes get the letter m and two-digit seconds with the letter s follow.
10h01
